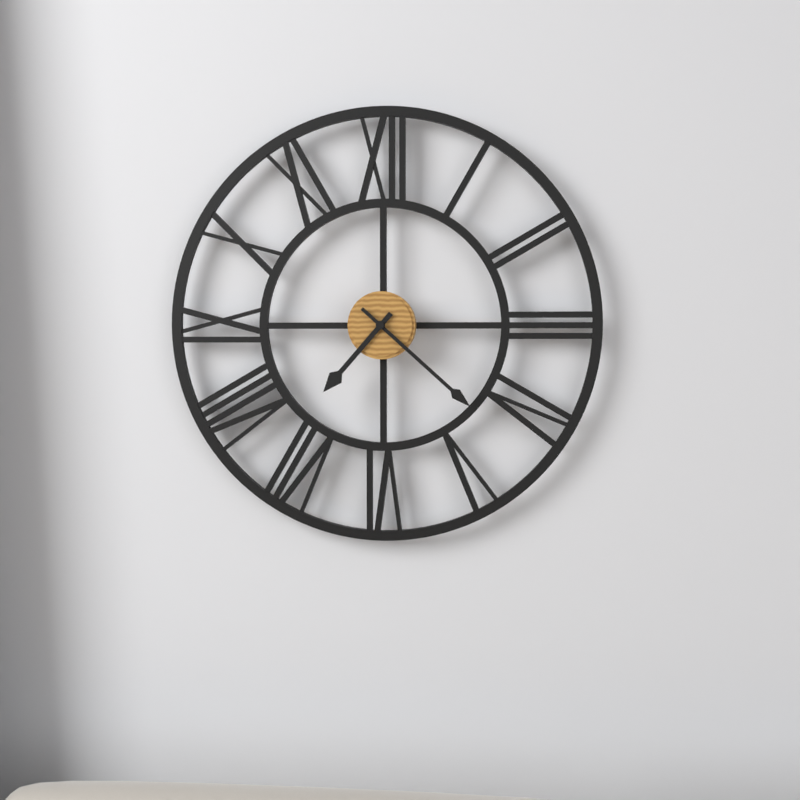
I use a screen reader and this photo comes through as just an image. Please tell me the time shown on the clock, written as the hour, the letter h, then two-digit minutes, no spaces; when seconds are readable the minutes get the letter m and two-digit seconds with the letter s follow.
7h22
